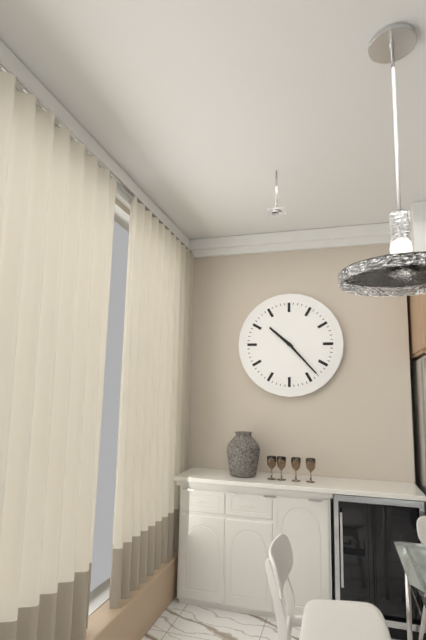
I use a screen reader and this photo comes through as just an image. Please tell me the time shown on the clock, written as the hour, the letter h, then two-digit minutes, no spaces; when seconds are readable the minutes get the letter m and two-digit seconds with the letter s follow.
10h23
